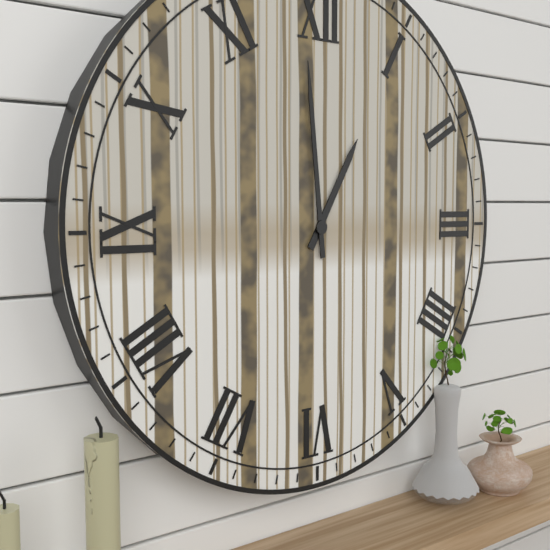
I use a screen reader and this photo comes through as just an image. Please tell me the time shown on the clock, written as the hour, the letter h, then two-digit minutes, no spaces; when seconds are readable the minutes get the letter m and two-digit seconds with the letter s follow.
12h59
